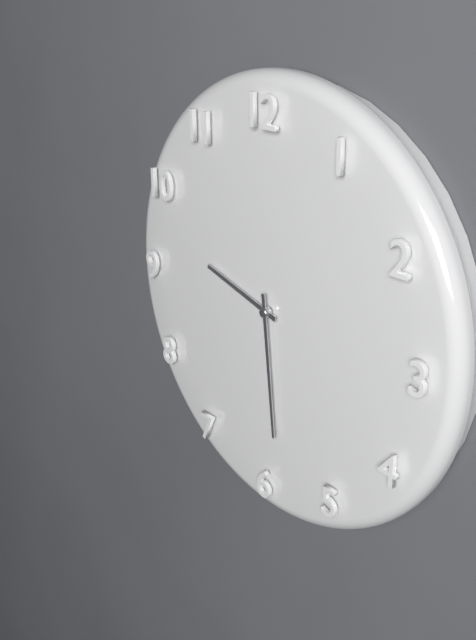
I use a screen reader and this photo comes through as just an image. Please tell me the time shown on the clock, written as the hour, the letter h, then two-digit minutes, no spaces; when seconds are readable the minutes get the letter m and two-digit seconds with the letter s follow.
9h29
